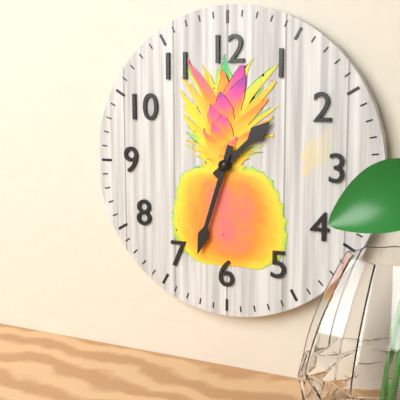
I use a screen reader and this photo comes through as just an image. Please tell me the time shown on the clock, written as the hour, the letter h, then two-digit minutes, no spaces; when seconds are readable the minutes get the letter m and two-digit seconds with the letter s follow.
1h33
